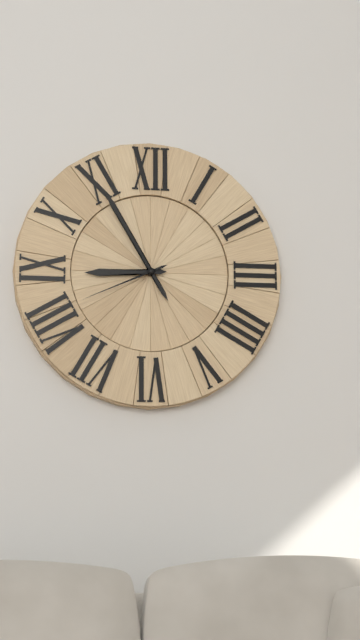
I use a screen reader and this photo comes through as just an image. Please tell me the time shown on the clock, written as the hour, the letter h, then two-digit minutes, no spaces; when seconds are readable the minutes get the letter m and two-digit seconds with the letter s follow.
8h55m41s
